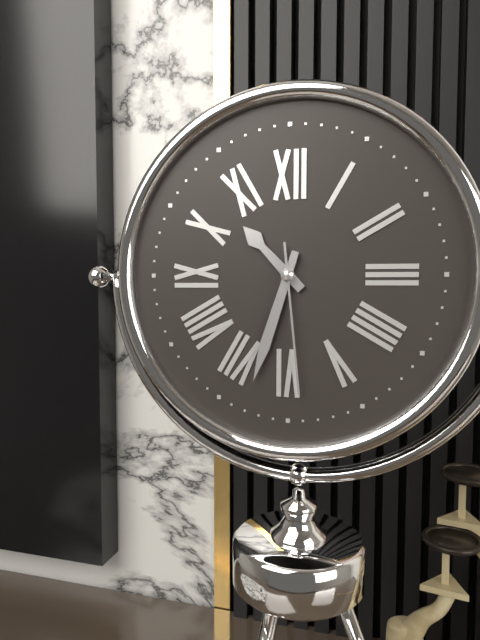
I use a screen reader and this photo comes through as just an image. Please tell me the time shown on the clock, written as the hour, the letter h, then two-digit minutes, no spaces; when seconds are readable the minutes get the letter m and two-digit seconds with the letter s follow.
10h33m29s
